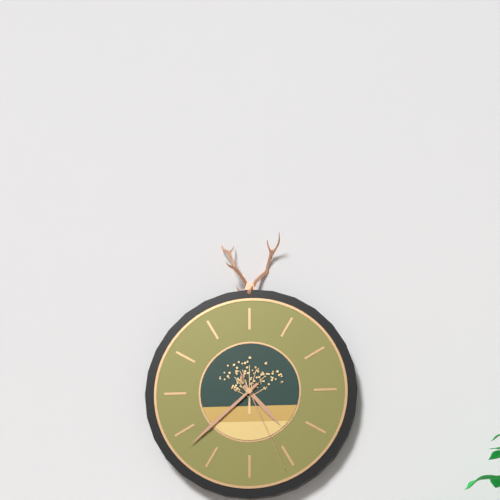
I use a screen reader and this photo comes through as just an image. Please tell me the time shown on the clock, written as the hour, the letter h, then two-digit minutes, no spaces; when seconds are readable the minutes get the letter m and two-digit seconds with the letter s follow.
4h38m26s
